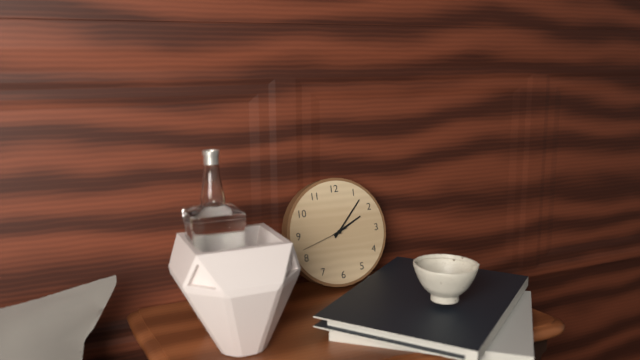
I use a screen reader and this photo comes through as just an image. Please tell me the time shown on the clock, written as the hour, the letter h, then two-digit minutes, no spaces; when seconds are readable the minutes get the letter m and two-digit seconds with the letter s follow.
2h07m42s
